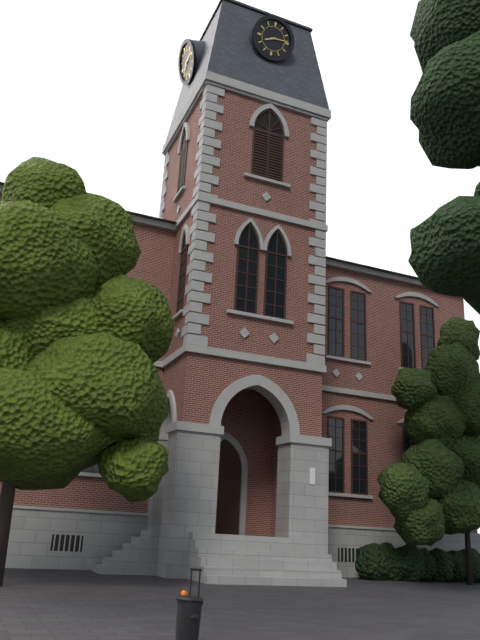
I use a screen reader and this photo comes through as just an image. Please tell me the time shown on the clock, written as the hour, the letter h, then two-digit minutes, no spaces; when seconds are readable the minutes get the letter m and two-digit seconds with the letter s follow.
8h14
